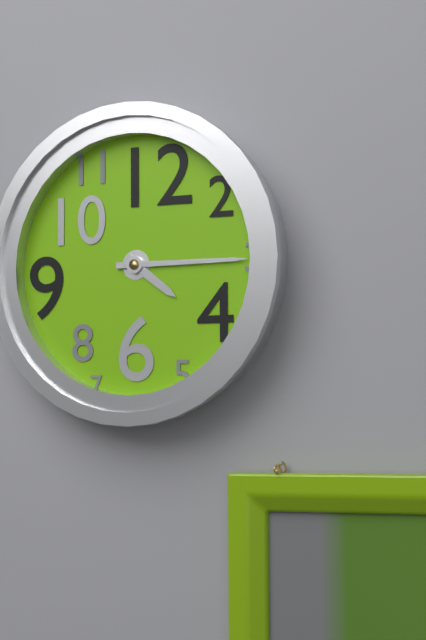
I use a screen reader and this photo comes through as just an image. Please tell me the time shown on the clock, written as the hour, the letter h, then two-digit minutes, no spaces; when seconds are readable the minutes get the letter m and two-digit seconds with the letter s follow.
4h15
